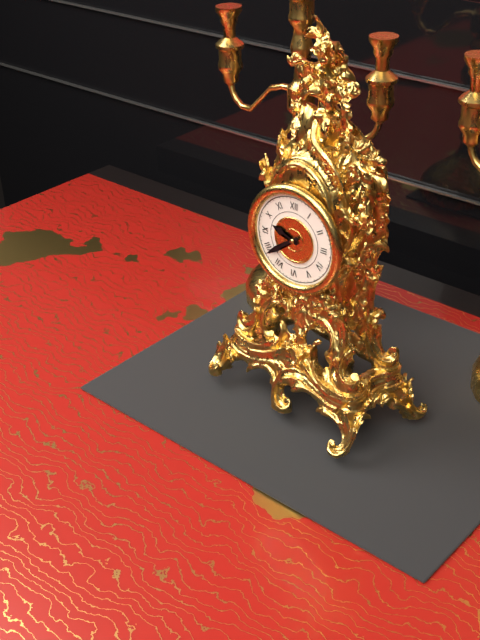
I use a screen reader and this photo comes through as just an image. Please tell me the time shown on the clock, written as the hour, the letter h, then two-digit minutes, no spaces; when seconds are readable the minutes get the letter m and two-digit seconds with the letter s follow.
9h39
